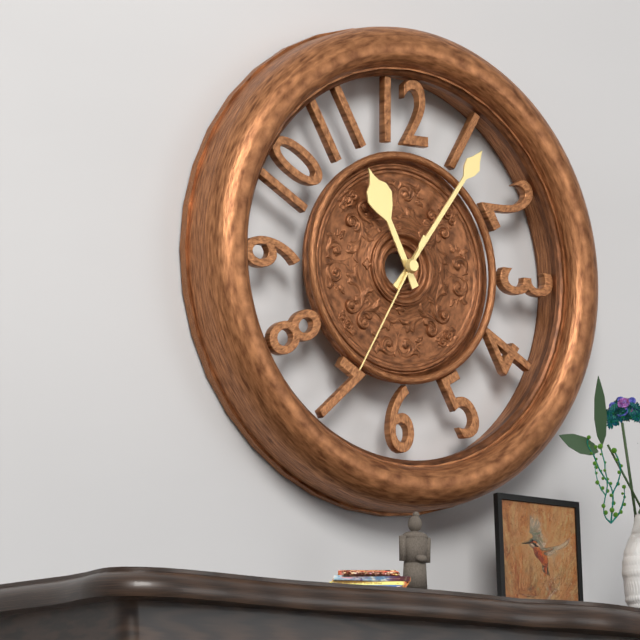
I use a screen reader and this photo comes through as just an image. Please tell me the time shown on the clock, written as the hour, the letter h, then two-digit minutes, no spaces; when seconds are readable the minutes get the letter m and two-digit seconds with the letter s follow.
11h06m35s
